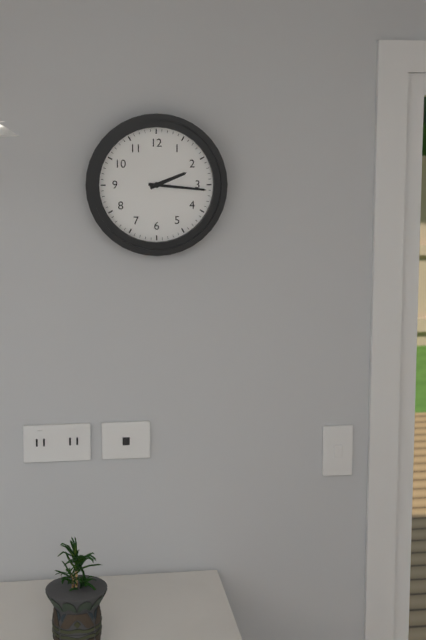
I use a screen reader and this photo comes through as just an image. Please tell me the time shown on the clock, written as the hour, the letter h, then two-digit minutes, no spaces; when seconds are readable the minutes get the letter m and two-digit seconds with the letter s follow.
2h16
